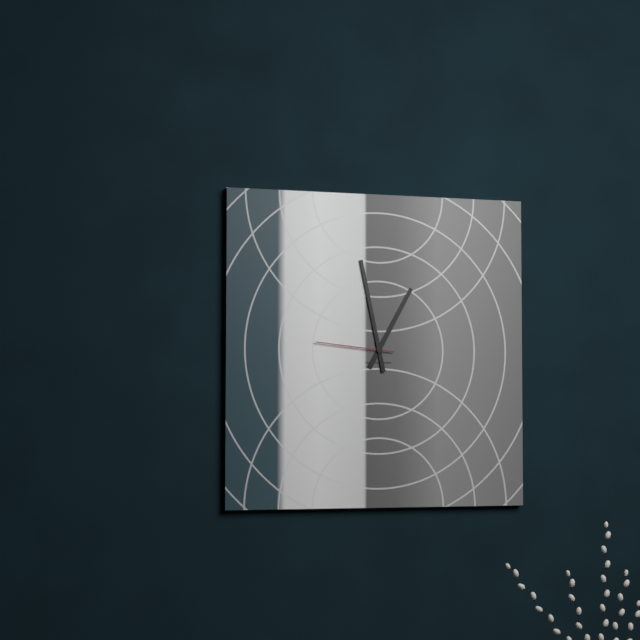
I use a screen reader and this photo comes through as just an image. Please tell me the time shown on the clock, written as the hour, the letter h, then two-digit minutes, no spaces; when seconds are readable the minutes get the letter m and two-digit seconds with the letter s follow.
12h58m46s
